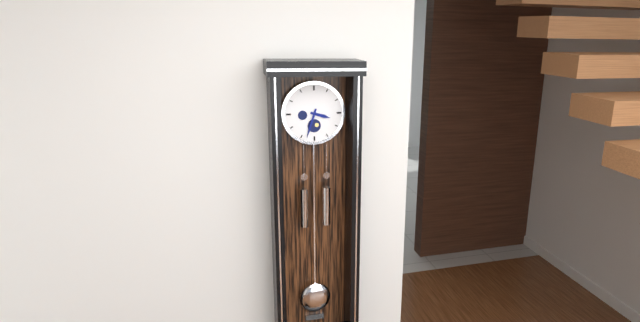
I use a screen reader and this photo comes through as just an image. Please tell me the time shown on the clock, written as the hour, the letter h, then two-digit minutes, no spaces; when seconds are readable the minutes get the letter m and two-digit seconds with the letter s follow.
3h33
